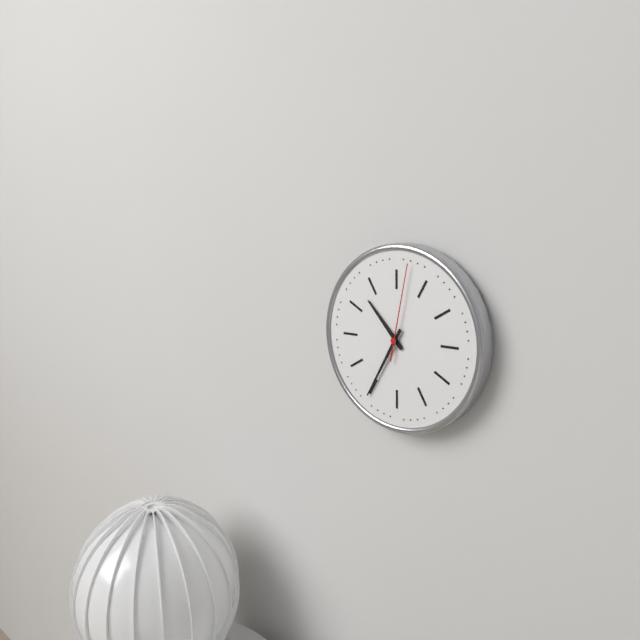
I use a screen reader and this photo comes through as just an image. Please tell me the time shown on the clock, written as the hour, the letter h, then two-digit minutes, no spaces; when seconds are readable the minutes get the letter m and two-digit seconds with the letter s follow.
10h35m02s
